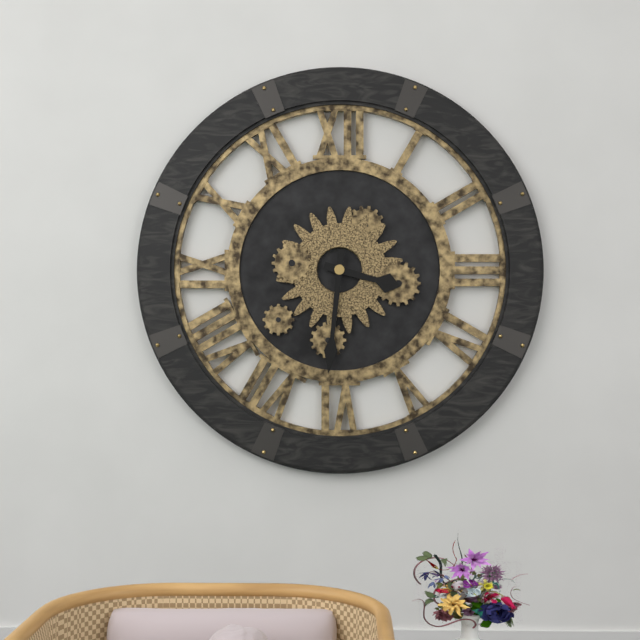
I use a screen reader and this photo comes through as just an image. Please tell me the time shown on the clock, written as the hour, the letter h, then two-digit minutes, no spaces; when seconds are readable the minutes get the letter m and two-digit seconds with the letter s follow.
3h31
